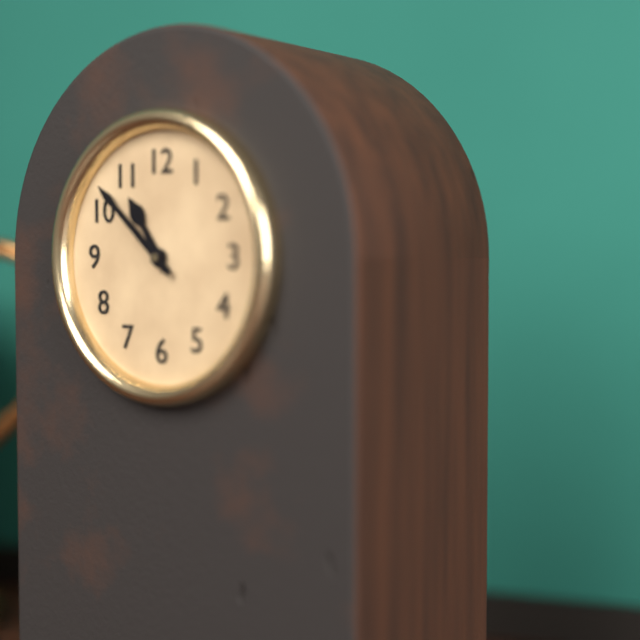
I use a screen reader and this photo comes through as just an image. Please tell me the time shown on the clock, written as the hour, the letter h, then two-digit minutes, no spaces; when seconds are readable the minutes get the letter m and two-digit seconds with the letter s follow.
10h52
